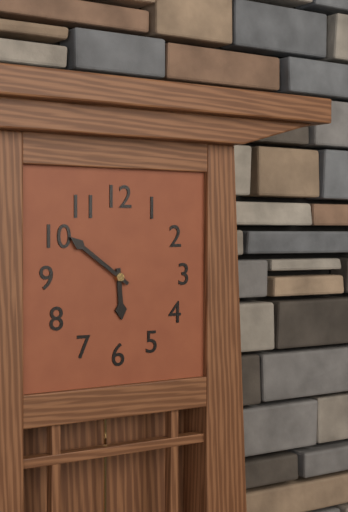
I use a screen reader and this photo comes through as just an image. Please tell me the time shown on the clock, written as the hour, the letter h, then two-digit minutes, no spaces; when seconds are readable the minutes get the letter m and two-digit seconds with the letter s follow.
5h51
